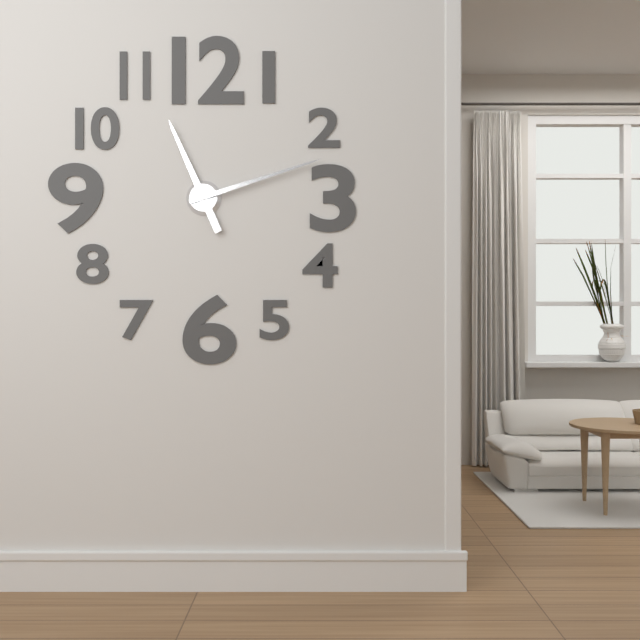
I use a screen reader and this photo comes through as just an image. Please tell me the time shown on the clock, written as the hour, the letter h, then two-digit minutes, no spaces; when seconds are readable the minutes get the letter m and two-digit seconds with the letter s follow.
11h12
